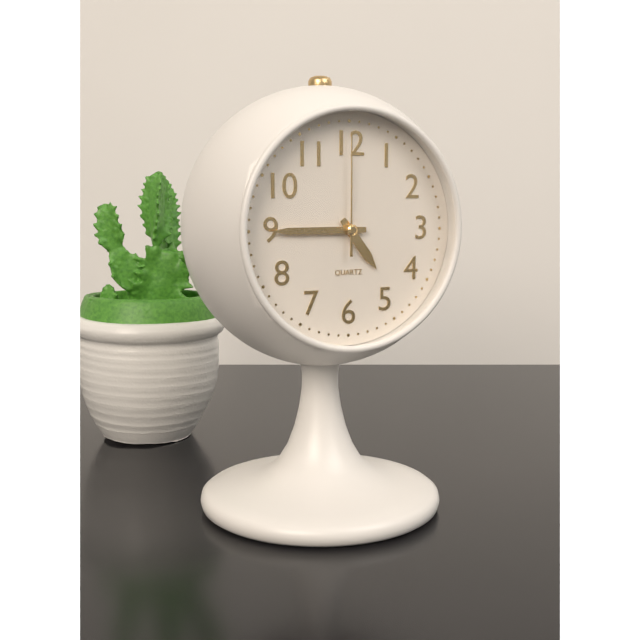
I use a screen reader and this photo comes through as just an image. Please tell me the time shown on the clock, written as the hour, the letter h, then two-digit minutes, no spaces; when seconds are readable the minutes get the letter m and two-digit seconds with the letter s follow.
4h45m00s
